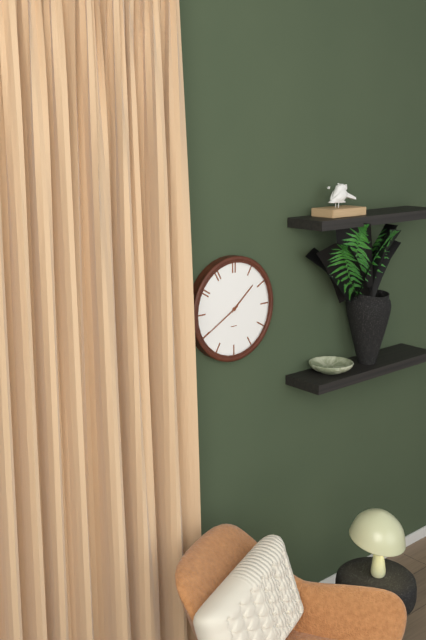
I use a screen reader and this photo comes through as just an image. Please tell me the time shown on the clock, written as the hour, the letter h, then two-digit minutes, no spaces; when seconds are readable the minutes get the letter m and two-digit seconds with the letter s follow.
1h40
